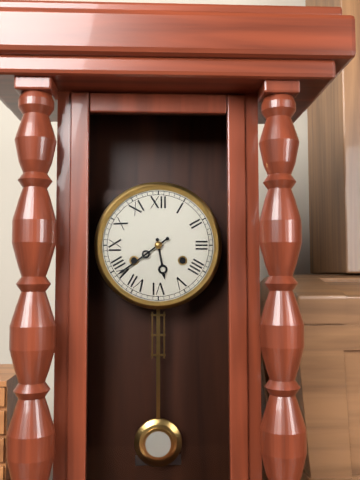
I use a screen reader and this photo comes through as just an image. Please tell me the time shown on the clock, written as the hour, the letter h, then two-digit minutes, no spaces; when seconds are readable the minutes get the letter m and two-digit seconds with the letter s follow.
5h39
